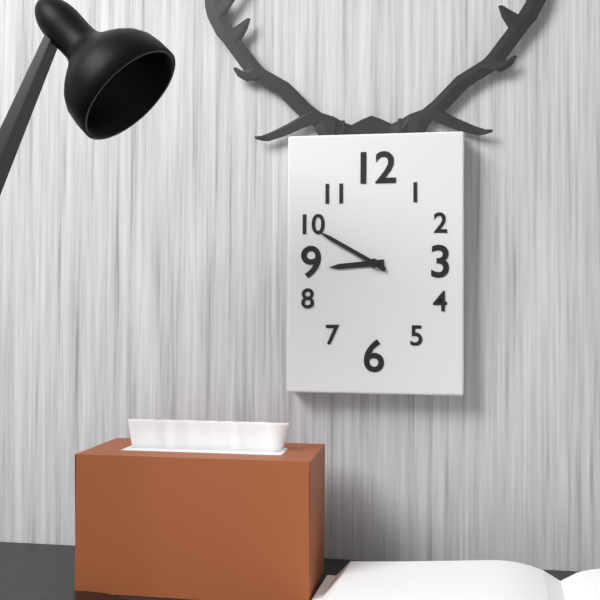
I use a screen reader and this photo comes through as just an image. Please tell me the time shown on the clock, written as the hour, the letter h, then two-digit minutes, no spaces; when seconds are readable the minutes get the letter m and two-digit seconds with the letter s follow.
8h50
